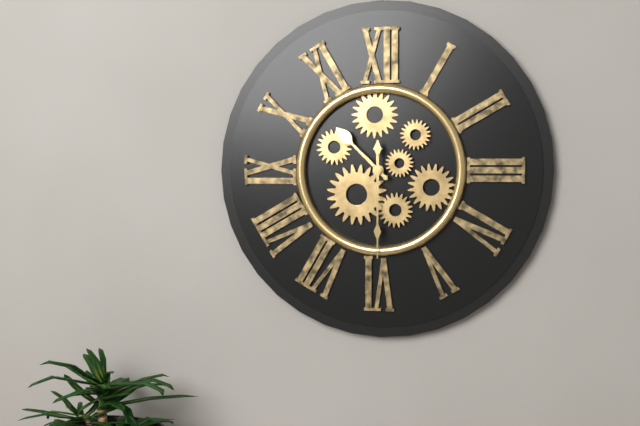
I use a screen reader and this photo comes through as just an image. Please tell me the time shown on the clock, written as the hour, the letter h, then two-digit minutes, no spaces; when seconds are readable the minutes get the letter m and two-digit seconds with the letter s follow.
10h30
